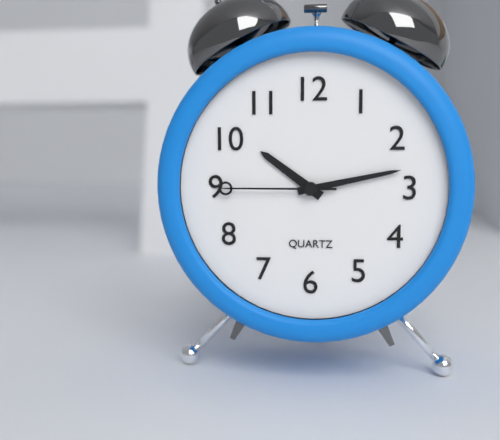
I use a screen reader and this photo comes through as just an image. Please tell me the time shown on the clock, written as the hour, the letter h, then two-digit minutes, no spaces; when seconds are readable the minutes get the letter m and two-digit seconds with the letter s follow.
10h13m45s
